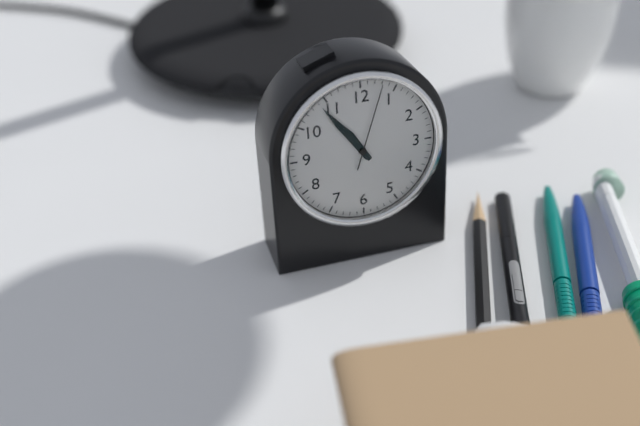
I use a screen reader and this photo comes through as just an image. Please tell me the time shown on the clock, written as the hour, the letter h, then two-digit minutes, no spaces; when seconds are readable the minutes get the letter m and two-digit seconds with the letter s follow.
10h54m03s
